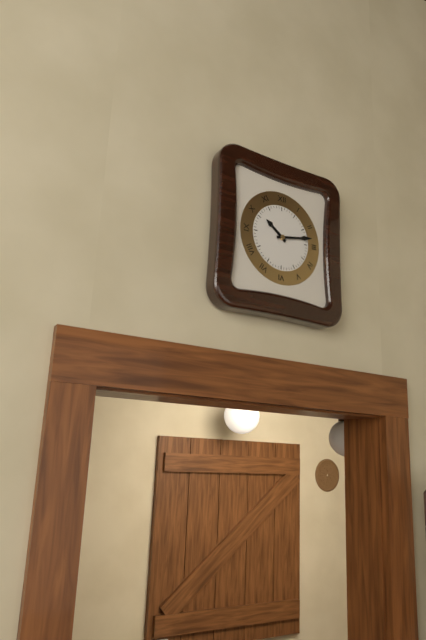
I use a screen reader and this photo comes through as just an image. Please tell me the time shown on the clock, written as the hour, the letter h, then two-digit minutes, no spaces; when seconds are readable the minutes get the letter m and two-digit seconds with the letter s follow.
10h13
